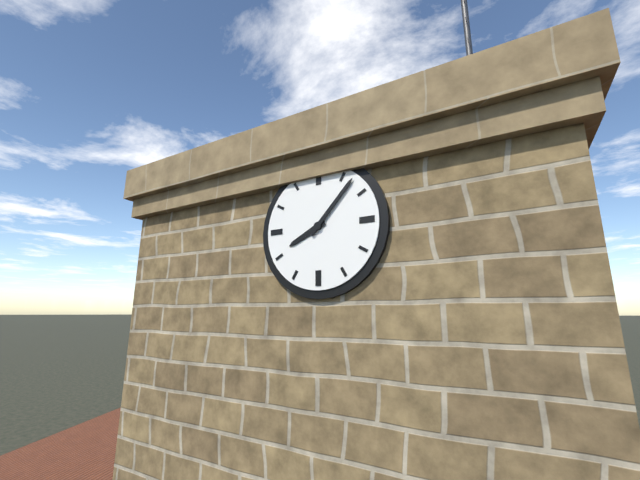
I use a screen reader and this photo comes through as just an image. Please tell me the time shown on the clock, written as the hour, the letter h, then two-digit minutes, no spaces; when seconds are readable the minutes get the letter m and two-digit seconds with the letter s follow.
8h07
